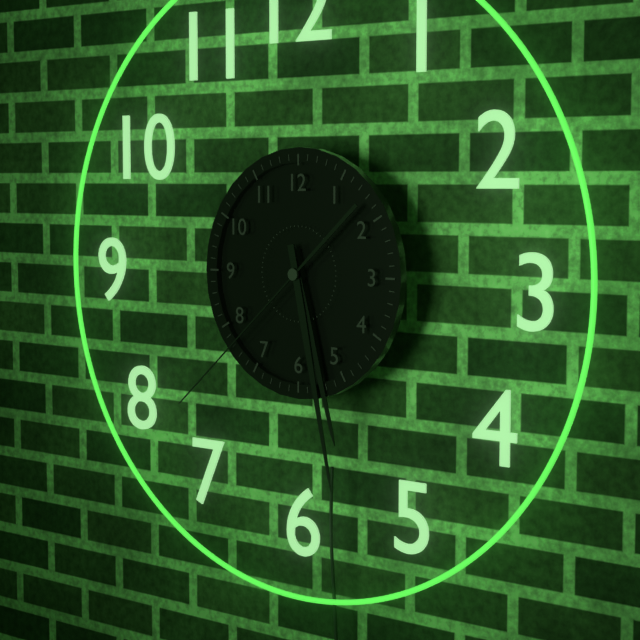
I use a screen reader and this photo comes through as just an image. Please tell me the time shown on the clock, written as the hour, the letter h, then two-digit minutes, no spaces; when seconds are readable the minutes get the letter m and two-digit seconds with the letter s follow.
5h28m38s
